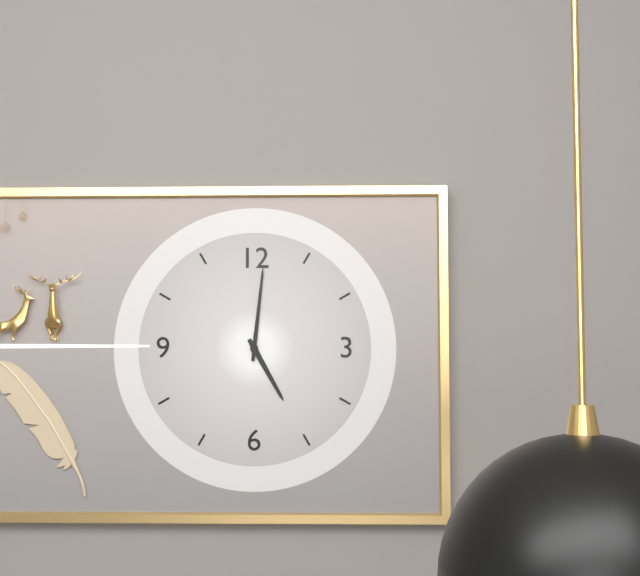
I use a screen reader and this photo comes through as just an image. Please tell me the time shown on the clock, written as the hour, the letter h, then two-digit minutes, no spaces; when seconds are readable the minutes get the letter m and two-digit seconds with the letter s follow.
5h01
